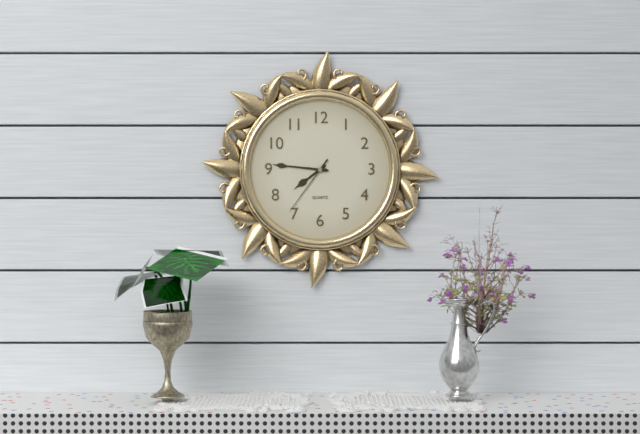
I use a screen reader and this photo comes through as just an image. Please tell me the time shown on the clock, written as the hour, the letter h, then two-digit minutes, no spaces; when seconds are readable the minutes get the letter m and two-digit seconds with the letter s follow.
7h46m36s
